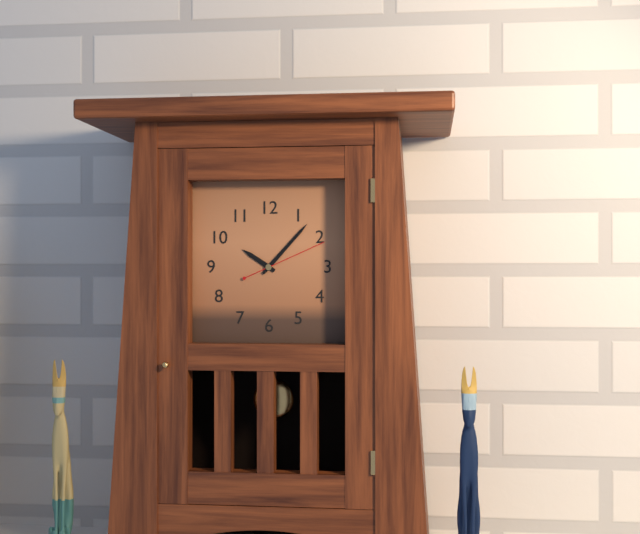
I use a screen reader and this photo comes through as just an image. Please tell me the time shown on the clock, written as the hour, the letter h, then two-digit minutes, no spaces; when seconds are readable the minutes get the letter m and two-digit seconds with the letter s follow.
10h07m11s
